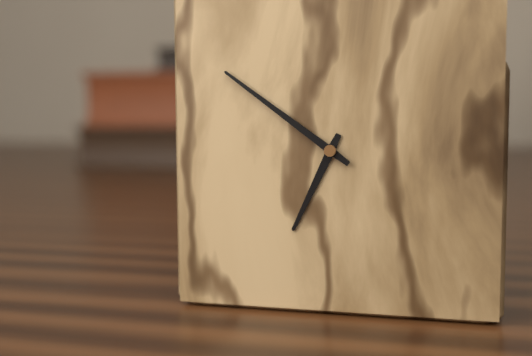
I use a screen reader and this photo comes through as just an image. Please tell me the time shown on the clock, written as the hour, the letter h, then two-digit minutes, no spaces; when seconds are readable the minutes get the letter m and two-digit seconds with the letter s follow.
6h51
